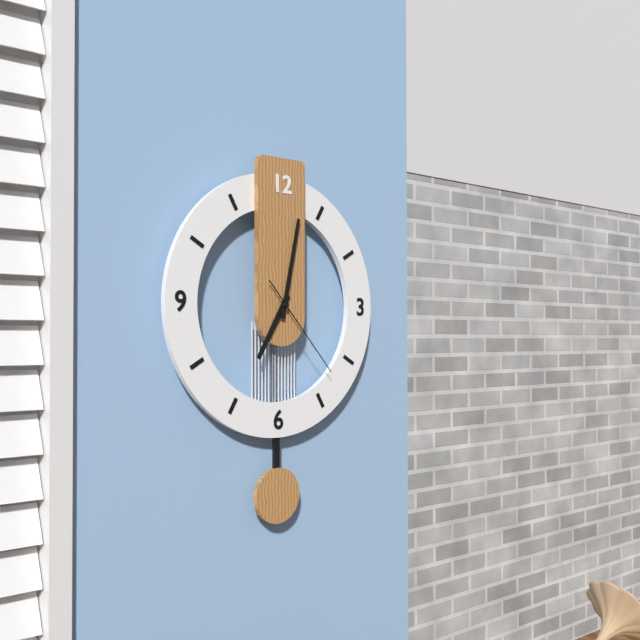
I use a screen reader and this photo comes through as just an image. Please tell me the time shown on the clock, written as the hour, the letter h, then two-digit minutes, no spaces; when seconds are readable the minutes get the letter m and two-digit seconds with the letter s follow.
7h02m23s
